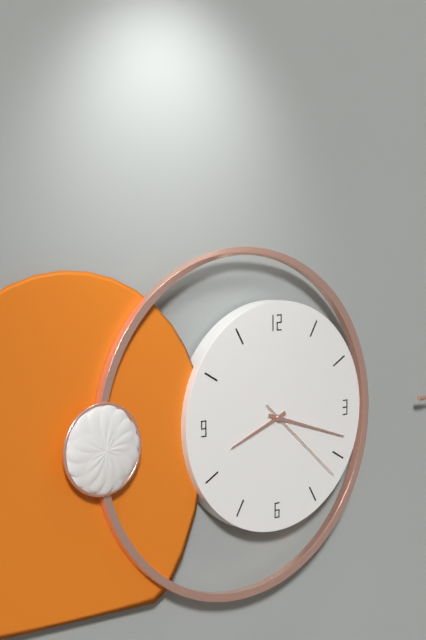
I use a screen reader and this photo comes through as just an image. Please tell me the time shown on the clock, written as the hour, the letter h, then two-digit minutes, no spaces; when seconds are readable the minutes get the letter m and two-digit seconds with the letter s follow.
8h18m22s
